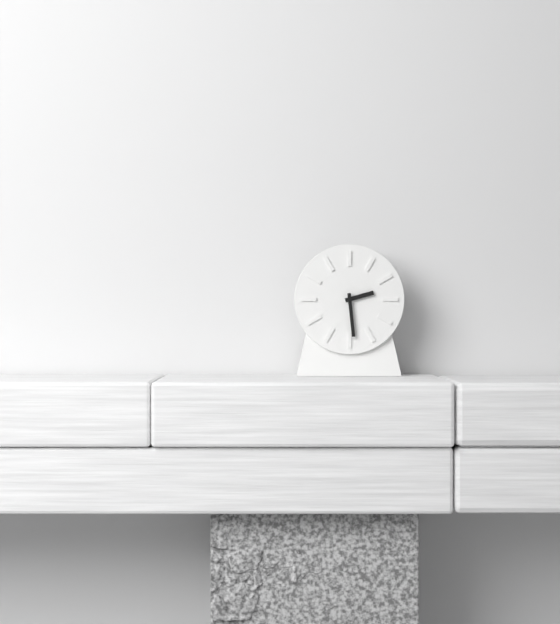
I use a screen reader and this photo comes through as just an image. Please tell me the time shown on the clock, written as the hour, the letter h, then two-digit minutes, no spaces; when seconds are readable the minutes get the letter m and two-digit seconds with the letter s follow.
2h29
